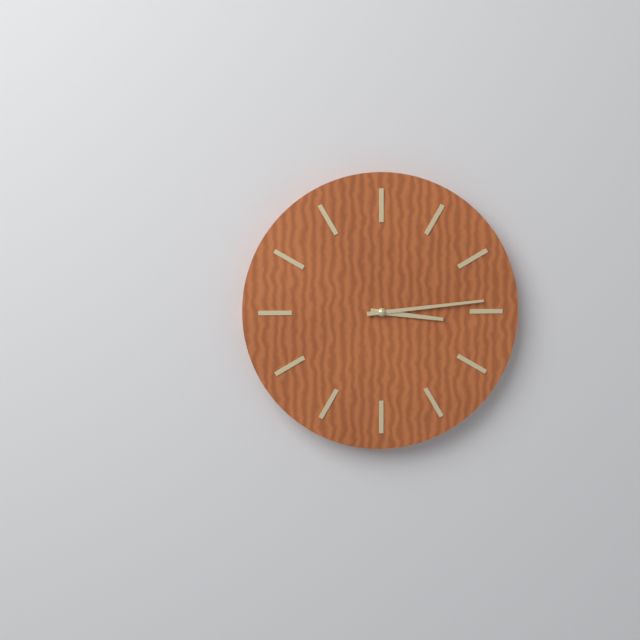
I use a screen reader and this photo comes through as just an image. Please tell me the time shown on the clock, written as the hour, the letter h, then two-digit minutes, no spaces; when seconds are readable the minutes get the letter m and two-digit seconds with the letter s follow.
3h14
